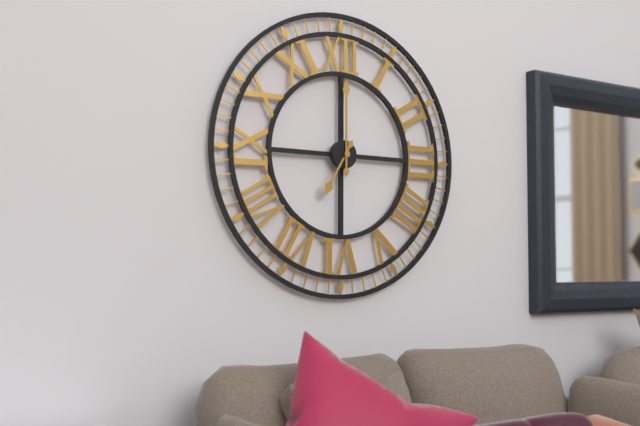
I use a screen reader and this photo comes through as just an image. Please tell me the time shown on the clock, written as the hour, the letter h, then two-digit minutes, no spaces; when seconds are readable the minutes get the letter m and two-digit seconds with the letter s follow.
7h00
